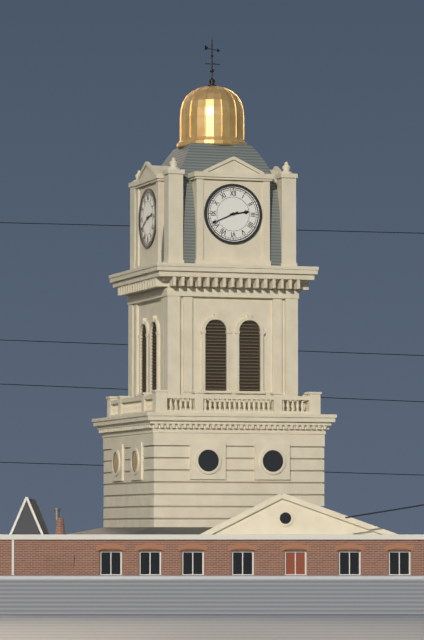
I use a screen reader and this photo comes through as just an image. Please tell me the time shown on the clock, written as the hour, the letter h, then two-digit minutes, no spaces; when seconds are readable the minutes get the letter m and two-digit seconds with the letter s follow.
2h41
